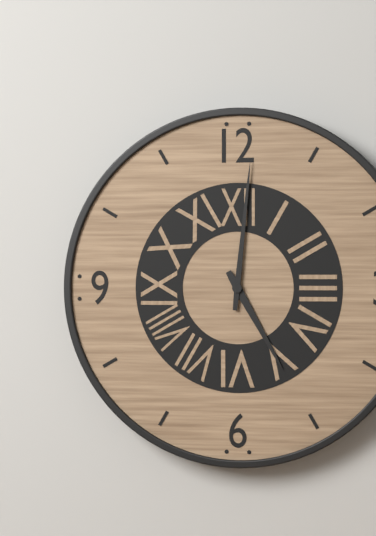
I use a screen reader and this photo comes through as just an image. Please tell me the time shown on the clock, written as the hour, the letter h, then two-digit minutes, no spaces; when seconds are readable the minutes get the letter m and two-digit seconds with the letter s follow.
5h01
